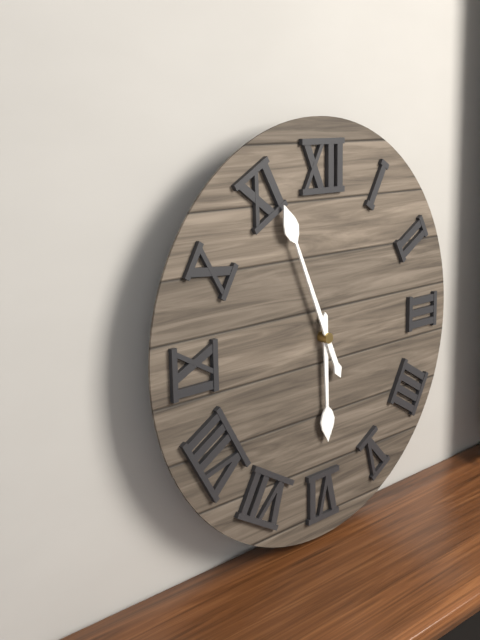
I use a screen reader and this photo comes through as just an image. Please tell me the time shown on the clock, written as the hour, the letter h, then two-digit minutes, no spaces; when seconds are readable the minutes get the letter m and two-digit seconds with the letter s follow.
5h56
